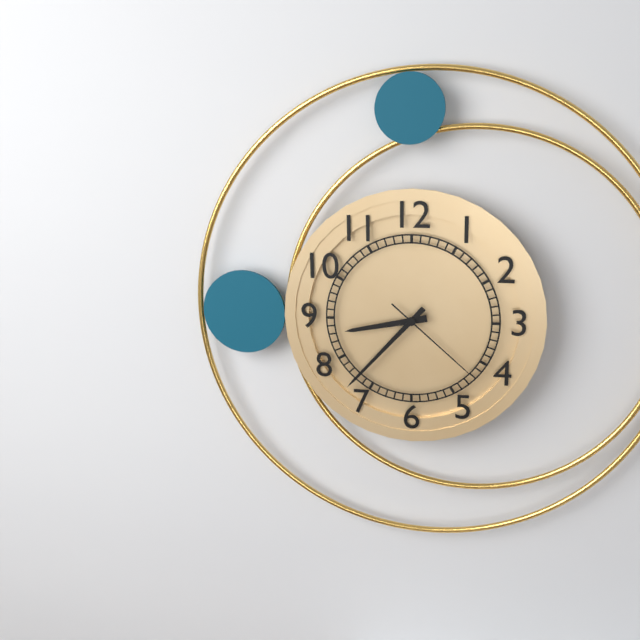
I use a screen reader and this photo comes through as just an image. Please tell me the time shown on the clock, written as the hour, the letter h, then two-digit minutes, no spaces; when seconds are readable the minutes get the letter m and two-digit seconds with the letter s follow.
8h37m22s
